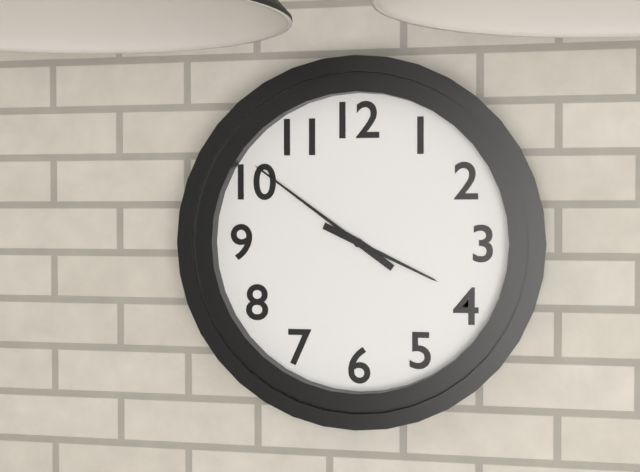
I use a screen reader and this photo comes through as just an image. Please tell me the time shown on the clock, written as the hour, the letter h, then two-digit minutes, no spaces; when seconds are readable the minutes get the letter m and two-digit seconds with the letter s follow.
3h51
